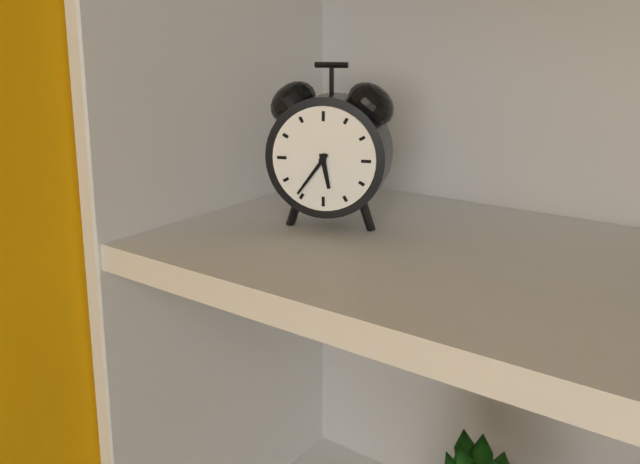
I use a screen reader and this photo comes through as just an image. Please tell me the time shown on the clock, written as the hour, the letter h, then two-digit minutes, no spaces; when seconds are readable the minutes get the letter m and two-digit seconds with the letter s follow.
5h36
